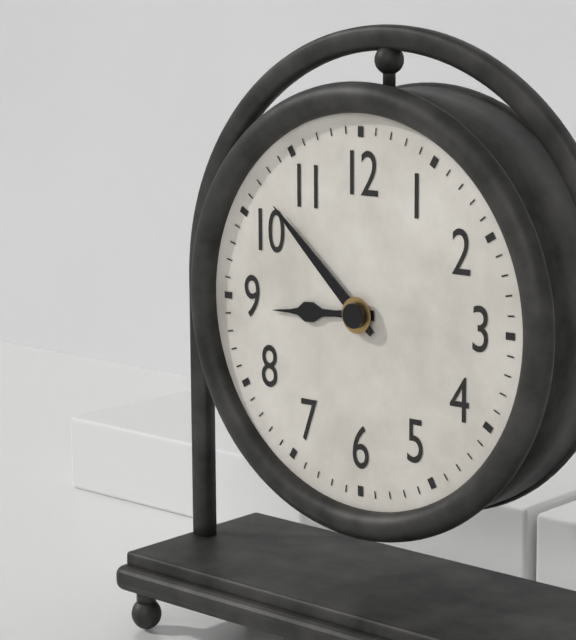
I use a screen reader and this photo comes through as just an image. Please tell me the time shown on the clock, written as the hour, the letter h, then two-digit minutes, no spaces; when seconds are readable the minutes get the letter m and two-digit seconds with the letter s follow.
8h52
